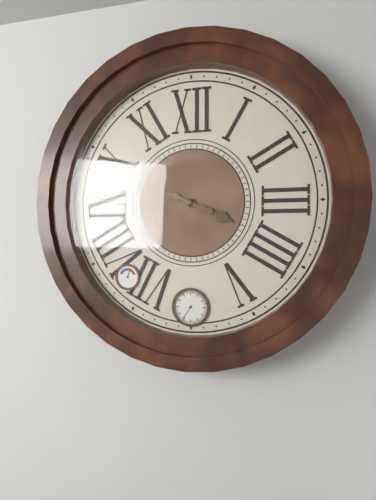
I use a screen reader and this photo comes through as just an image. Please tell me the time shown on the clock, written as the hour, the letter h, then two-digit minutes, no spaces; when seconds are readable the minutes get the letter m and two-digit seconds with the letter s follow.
3h49
